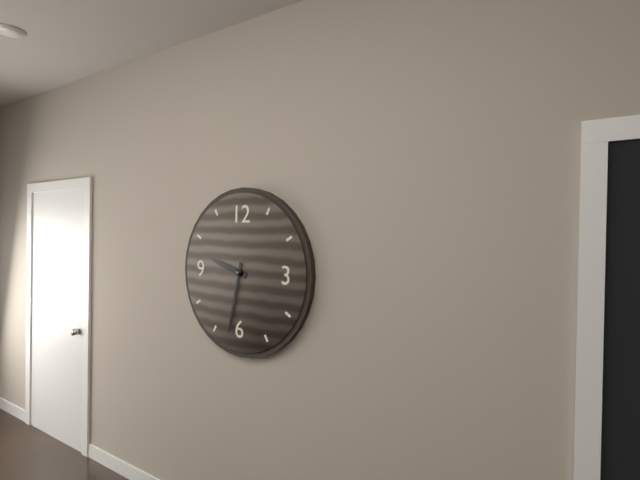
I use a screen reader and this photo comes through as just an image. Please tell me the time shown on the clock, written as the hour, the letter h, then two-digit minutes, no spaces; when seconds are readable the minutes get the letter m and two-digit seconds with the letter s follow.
9h32
